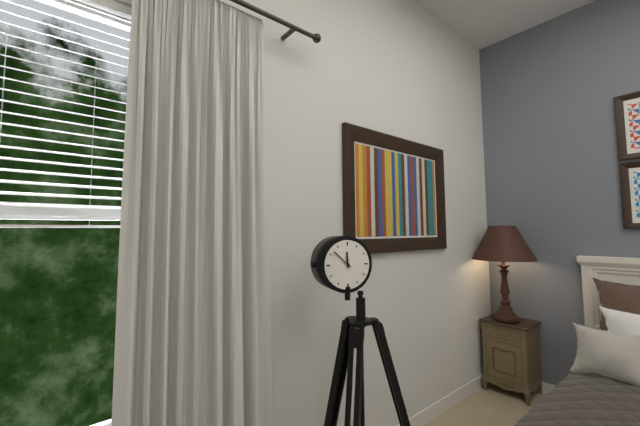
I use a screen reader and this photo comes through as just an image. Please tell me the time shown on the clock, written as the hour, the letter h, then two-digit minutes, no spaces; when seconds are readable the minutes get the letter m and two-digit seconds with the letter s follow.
11h52
